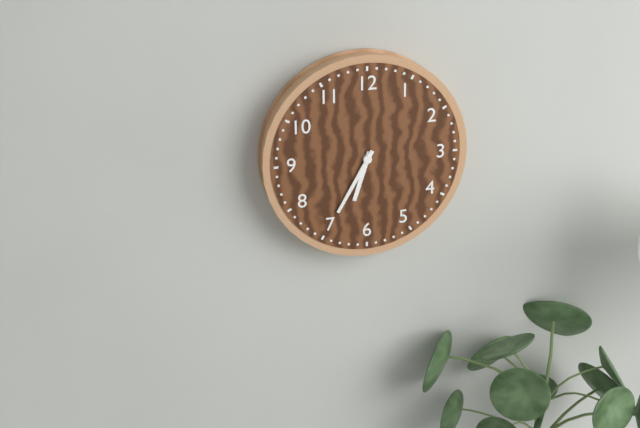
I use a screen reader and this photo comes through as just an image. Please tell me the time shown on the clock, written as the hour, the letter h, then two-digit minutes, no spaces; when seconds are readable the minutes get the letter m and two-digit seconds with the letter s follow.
6h35
